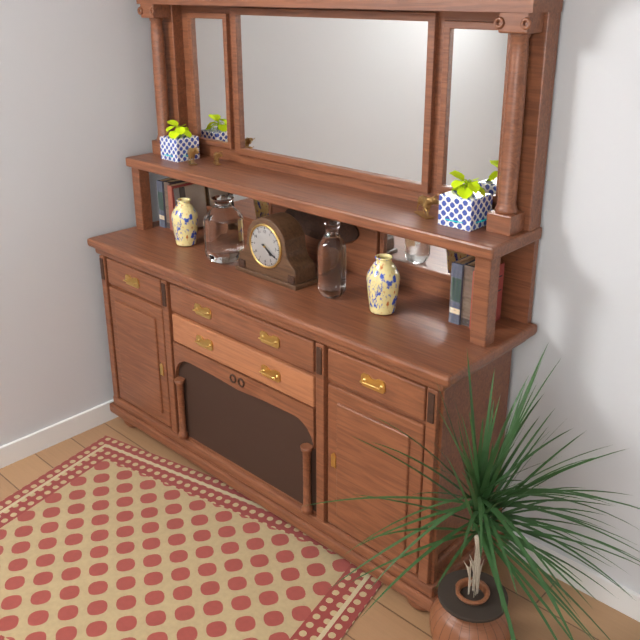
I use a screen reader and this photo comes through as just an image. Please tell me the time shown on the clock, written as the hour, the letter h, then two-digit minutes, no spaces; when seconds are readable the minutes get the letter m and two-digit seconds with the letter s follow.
4h20
